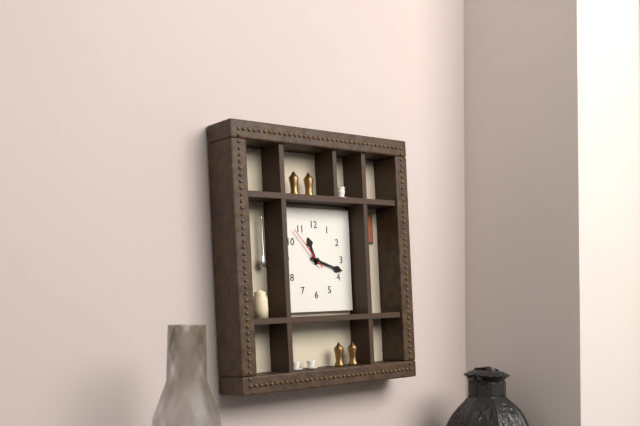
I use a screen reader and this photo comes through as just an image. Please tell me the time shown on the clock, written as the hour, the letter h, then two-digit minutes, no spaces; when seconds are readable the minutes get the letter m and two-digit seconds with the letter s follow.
11h18
